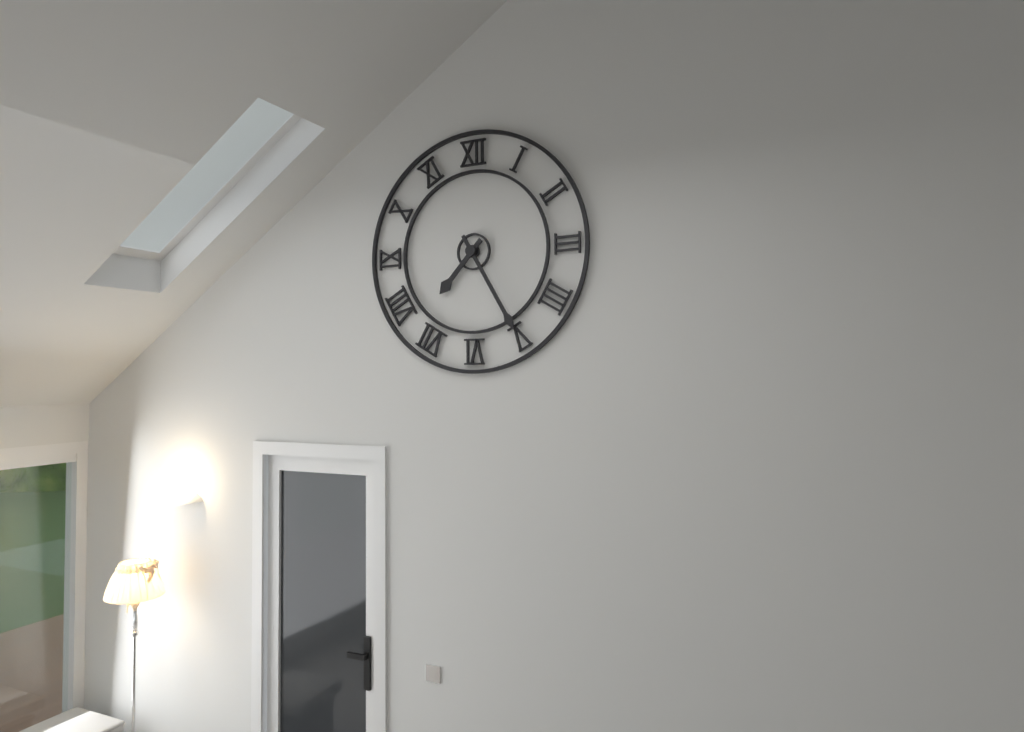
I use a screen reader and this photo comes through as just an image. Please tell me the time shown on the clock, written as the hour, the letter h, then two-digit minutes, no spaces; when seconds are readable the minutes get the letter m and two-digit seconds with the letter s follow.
7h25
